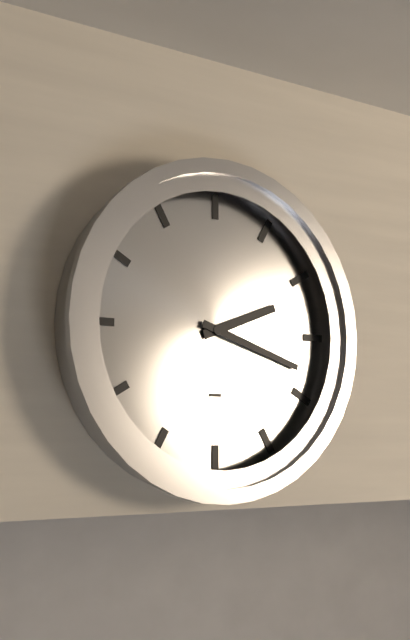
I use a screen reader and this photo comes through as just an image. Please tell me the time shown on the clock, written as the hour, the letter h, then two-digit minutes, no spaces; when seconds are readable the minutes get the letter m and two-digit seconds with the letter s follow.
2h18
